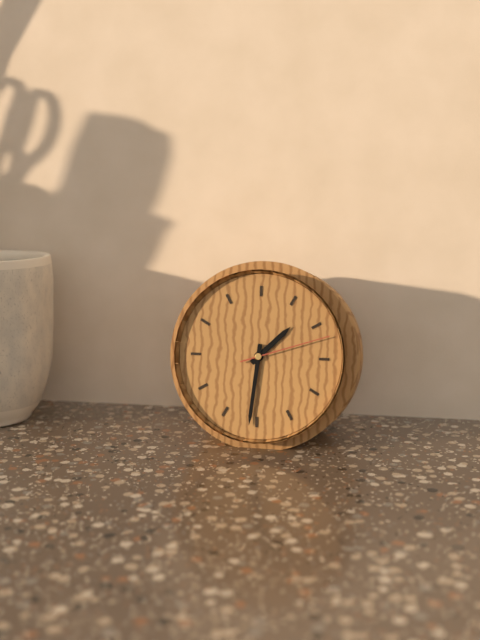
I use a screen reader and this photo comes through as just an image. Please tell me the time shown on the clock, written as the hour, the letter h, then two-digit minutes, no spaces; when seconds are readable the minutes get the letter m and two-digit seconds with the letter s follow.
1h31m12s
